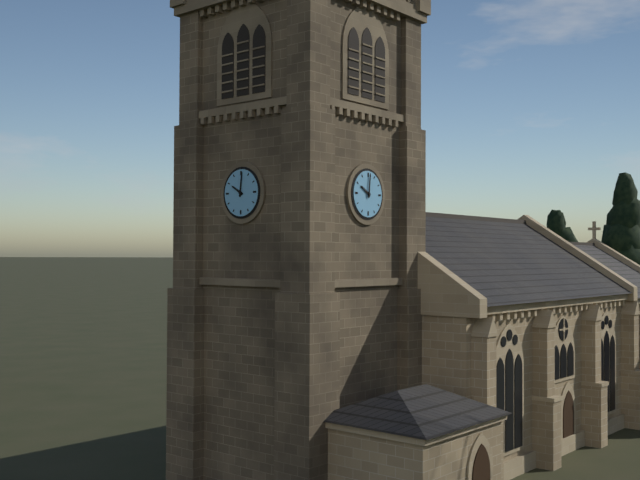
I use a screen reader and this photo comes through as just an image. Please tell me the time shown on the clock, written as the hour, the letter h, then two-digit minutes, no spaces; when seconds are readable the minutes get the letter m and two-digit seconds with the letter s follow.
10h01
